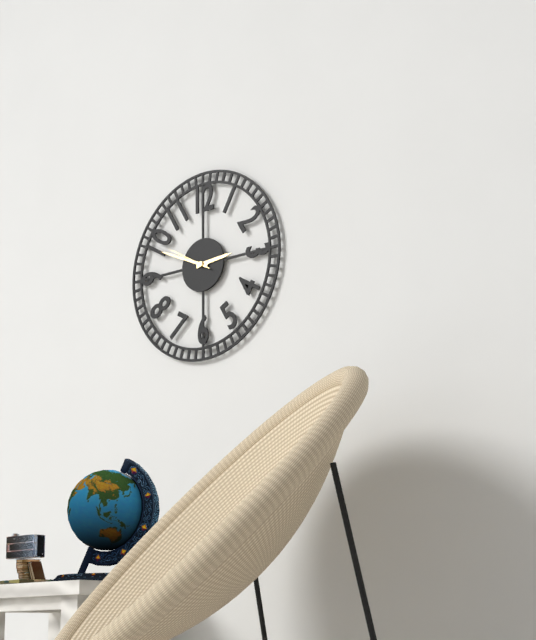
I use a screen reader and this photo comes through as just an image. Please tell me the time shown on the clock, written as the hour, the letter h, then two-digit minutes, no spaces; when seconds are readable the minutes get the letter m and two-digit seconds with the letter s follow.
2h49m50s
